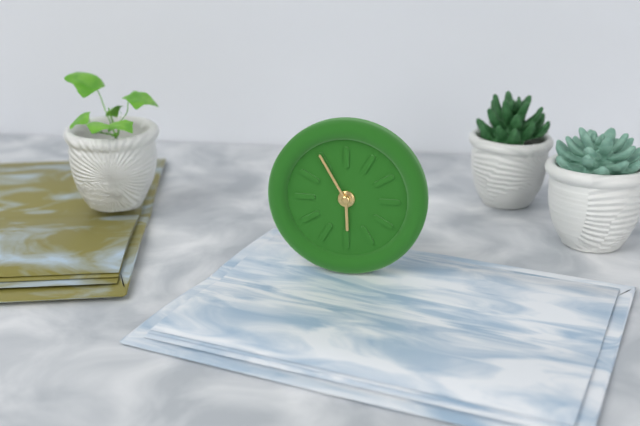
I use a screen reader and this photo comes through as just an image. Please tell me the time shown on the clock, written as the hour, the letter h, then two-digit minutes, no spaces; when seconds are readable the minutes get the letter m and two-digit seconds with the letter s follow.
5h55
